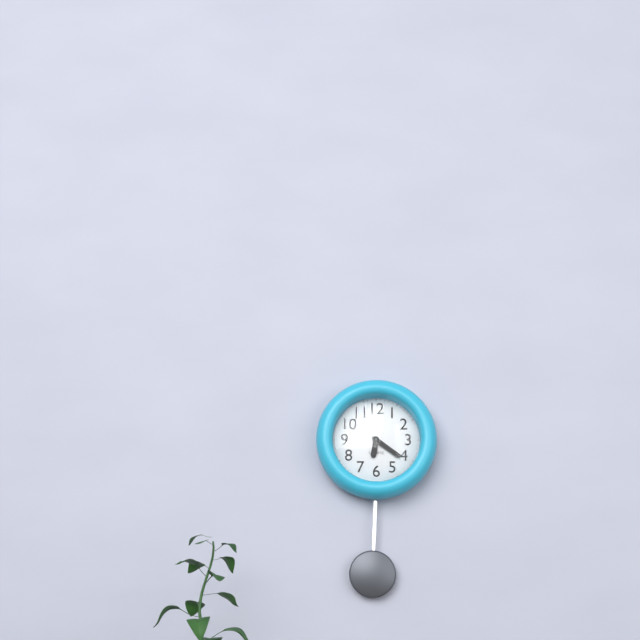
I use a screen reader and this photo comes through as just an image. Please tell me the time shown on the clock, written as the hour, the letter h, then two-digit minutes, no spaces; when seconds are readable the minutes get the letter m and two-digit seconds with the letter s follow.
6h21
